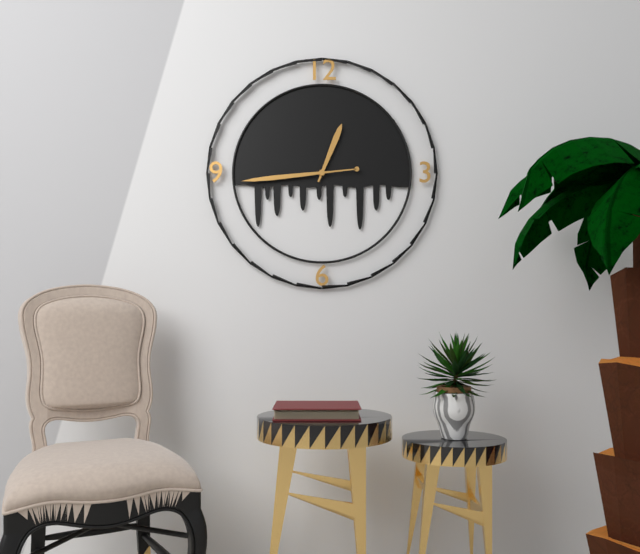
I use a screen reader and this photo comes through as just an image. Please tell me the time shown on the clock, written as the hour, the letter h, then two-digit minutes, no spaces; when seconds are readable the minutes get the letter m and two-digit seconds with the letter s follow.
12h44
